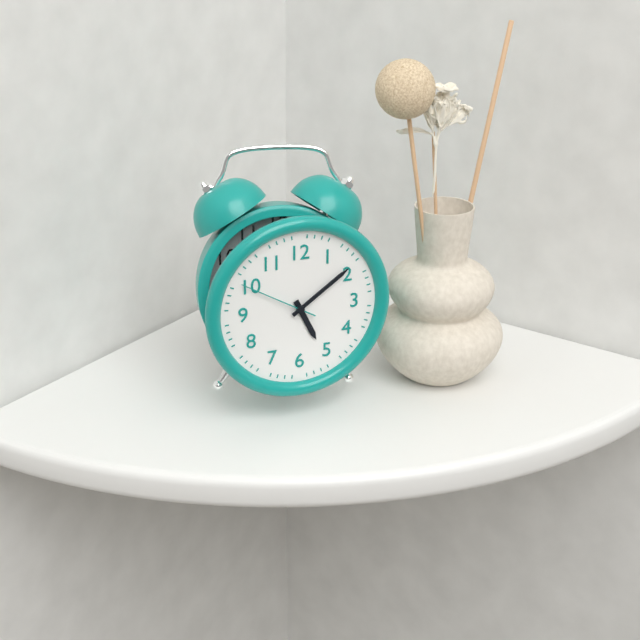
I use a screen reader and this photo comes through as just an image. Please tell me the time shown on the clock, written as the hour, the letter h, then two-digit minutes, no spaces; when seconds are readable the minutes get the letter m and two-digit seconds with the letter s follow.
5h09m50s
